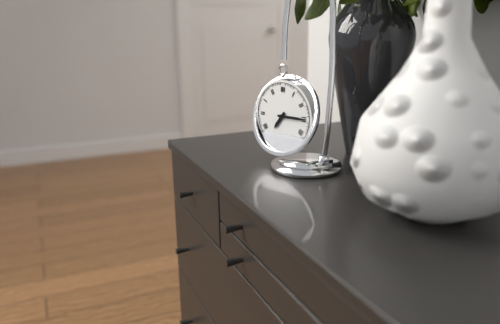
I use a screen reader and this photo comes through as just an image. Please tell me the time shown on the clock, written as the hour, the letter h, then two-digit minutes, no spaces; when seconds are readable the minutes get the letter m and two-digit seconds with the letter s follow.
7h15
